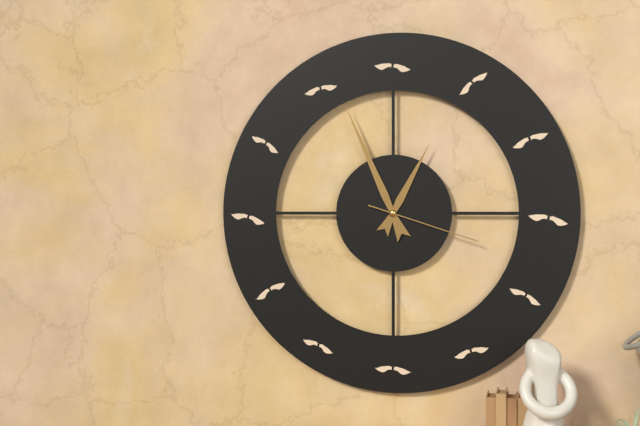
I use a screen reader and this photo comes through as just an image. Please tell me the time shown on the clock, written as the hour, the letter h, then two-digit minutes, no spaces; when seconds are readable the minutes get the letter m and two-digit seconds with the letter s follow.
12h56m18s
